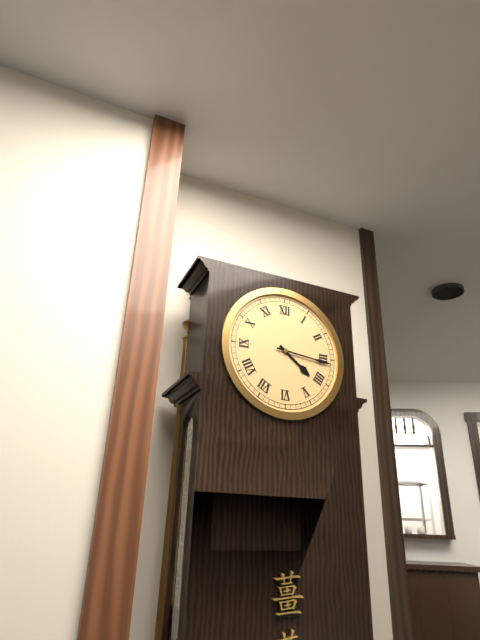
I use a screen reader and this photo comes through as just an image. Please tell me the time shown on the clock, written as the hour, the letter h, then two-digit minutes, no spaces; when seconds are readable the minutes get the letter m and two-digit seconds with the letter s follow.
4h16
